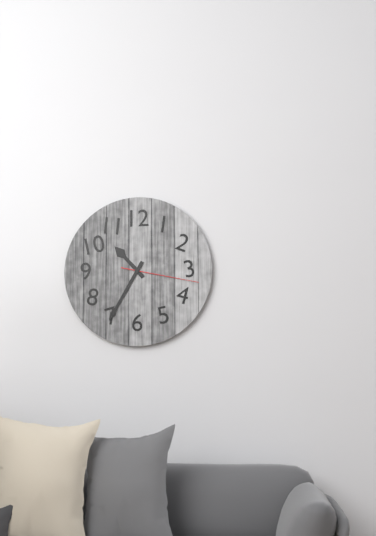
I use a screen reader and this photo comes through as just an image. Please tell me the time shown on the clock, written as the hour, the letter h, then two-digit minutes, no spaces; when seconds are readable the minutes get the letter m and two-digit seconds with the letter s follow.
10h35m17s
